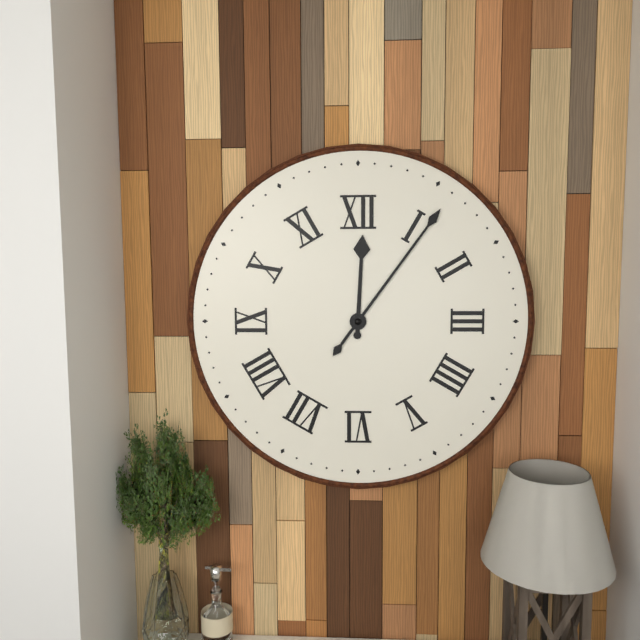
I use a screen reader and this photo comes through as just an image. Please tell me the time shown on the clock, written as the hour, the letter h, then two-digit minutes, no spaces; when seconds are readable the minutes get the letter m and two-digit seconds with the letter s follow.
12h06
